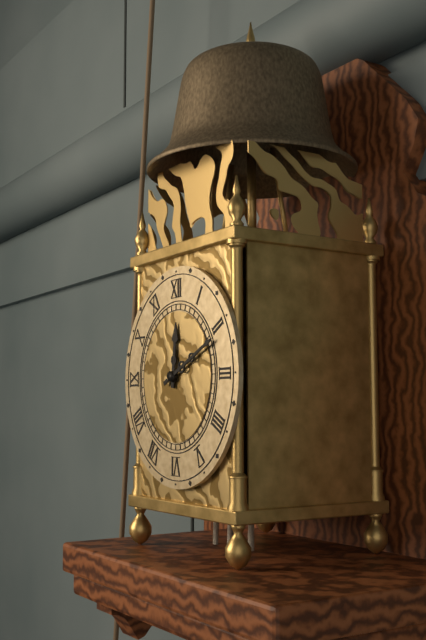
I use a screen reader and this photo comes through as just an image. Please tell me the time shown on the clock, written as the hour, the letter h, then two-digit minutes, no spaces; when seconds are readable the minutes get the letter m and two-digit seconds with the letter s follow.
12h11
